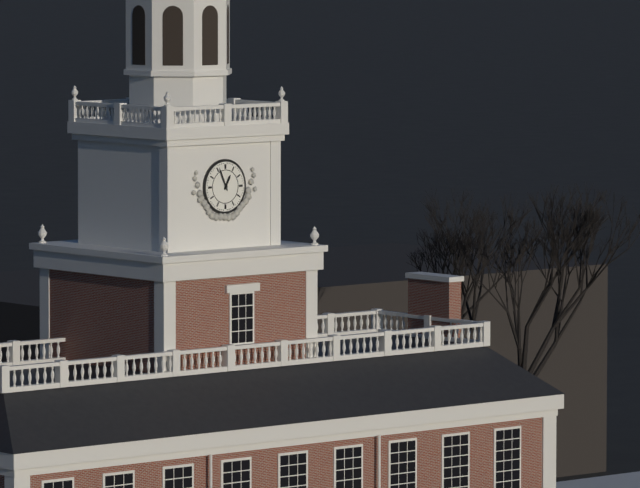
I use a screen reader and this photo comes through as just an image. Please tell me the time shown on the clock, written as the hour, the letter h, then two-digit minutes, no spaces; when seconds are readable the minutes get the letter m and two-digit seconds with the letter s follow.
12h56
